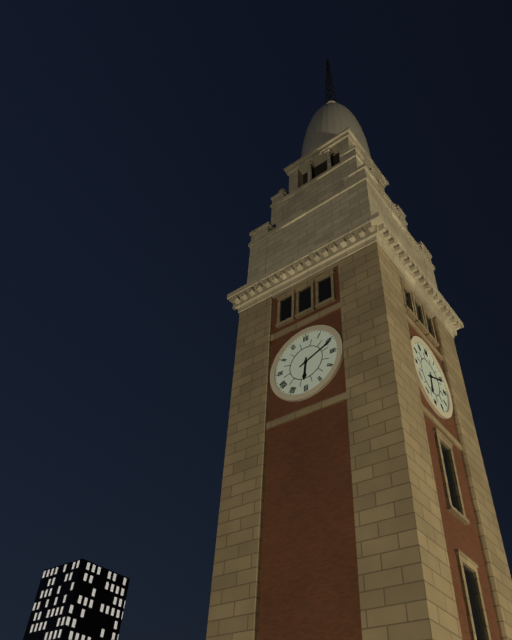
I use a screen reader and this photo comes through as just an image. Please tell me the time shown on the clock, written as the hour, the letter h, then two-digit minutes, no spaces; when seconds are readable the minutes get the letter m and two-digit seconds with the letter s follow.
6h11
